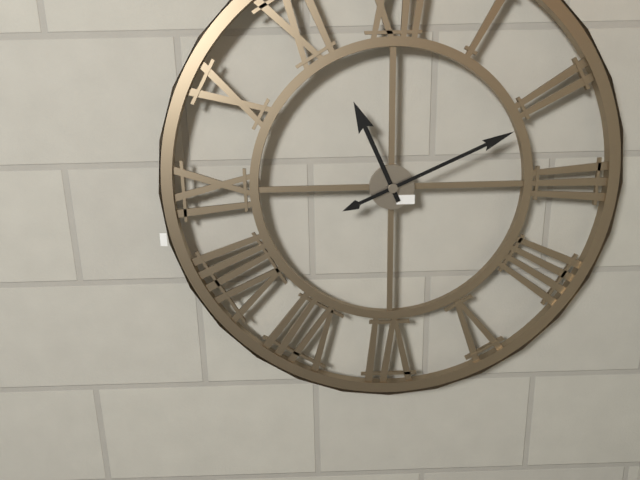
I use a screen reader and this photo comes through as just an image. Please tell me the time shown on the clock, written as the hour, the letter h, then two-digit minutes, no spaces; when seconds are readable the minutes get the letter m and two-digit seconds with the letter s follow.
11h11
